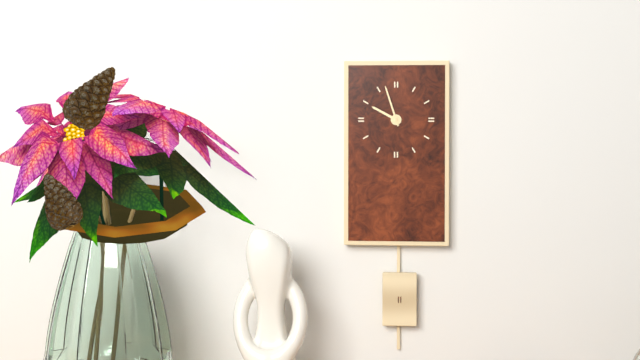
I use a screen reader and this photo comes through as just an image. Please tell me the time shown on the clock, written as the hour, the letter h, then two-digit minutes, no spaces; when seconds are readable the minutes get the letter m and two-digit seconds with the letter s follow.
9h57
